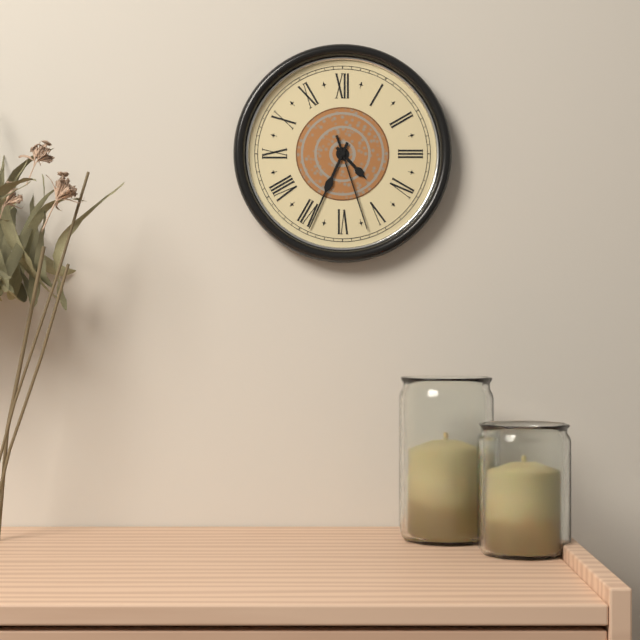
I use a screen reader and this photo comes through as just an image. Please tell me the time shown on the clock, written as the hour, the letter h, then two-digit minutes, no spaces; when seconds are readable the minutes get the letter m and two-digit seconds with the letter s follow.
4h34m27s
